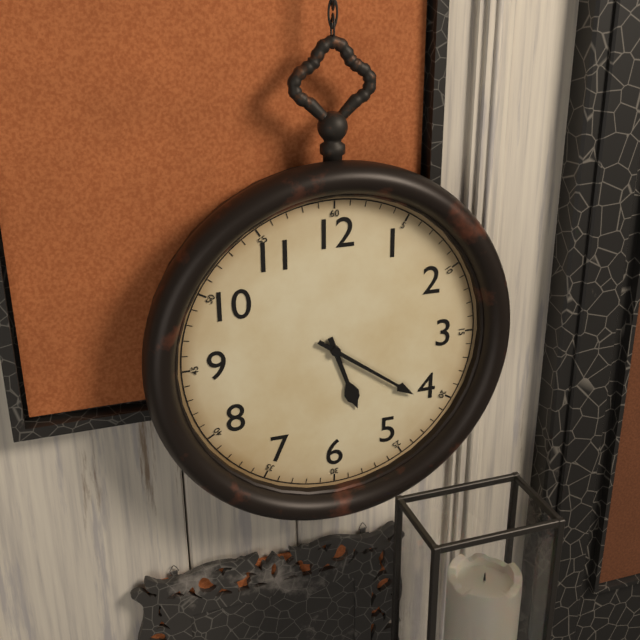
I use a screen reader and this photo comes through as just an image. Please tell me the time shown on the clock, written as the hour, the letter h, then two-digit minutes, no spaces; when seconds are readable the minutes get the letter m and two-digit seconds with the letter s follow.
5h21
